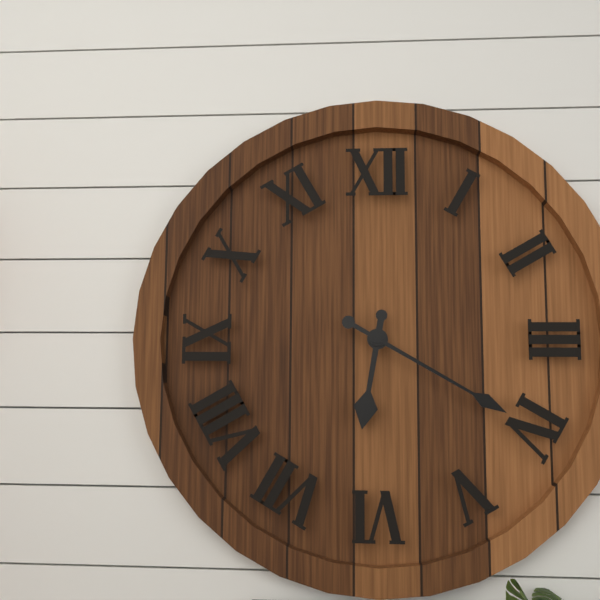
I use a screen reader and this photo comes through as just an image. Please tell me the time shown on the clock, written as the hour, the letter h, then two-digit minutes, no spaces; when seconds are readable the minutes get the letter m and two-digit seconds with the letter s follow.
6h20
